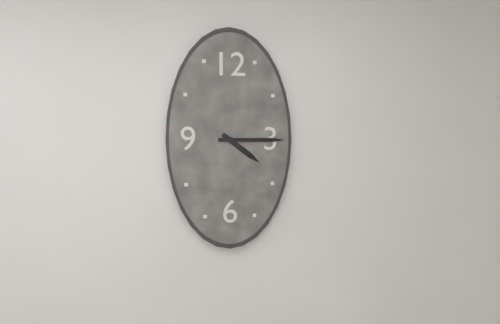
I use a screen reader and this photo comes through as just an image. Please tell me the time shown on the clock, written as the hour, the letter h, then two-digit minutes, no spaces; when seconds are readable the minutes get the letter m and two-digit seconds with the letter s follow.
4h15
